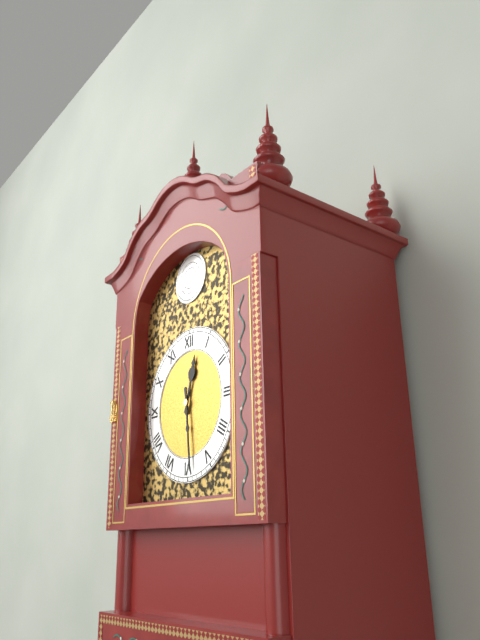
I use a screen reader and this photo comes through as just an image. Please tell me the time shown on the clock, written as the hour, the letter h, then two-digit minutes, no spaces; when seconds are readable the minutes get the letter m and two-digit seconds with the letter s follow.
12h29
